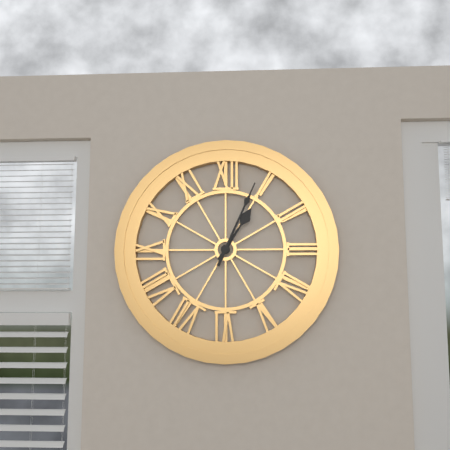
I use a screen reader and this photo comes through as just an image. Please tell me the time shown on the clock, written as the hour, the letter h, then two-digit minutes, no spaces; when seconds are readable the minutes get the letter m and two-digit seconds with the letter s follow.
1h04
